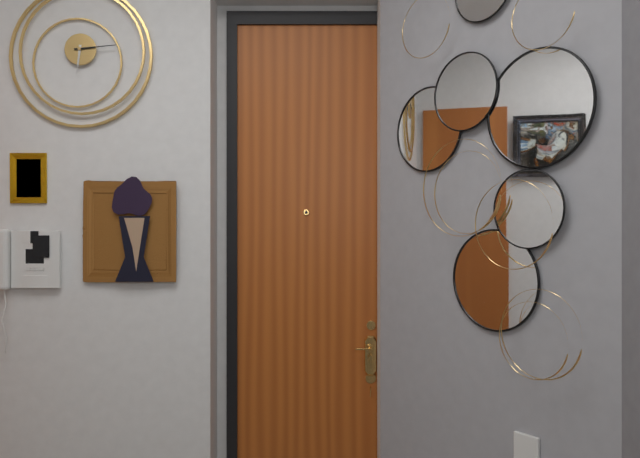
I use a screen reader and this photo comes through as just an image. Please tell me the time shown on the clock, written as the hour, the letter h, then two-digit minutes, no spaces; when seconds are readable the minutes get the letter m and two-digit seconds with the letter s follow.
6h14
